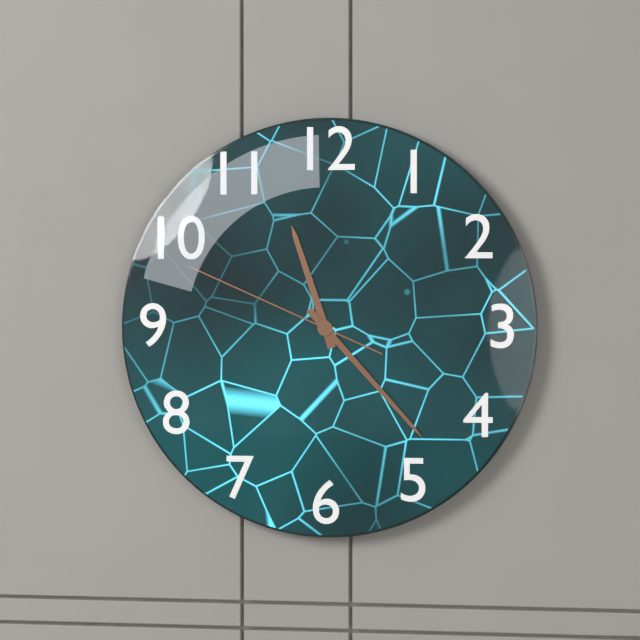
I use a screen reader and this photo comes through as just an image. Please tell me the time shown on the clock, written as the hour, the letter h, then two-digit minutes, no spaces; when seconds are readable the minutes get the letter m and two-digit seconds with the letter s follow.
11h23m49s
